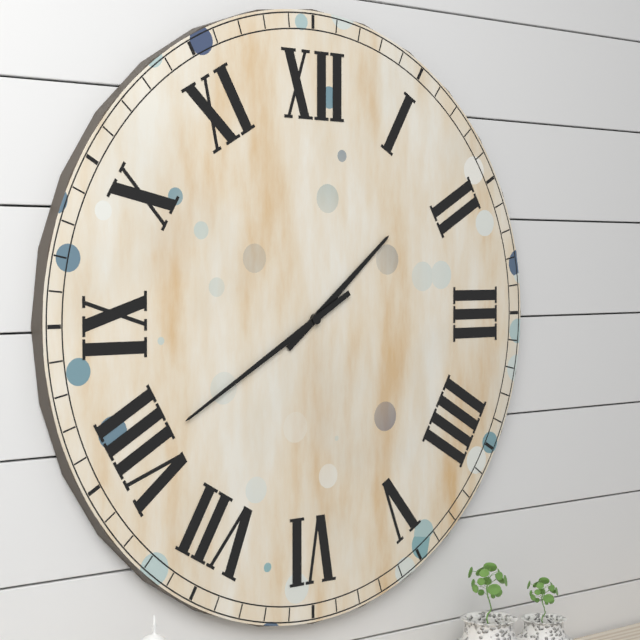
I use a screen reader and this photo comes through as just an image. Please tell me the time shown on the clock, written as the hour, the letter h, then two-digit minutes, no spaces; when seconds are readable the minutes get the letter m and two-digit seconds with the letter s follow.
1h40
